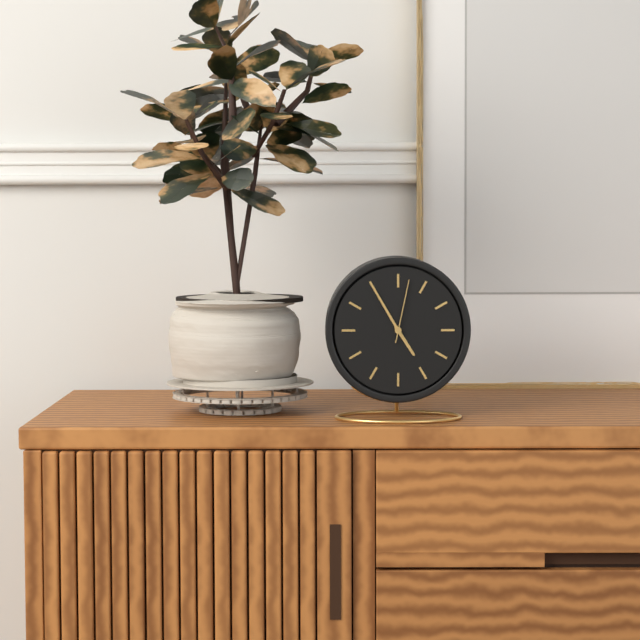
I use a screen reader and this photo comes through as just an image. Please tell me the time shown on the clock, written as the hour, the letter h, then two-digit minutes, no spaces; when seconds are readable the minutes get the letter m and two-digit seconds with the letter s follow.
4h55m02s
